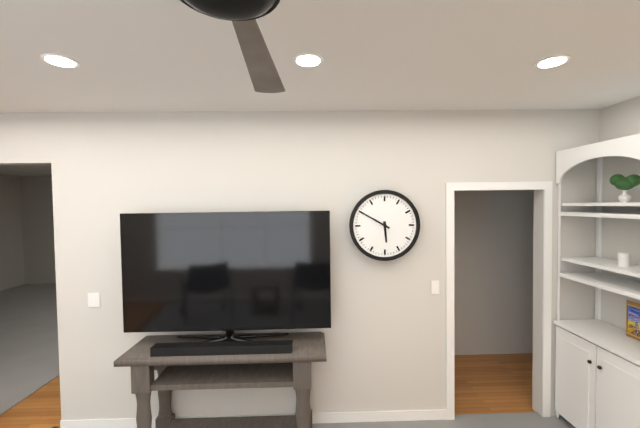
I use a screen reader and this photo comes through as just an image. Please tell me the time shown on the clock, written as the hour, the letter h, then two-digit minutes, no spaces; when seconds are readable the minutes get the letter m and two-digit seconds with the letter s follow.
5h50
